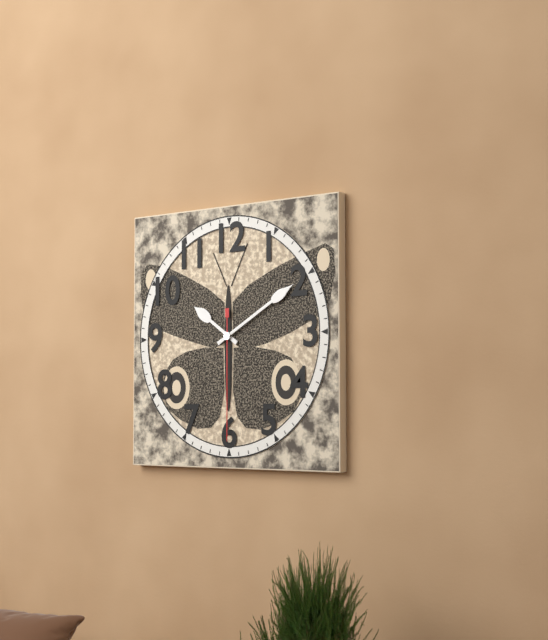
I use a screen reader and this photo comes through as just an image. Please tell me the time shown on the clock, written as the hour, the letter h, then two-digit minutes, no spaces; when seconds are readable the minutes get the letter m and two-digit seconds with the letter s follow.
10h10m30s
